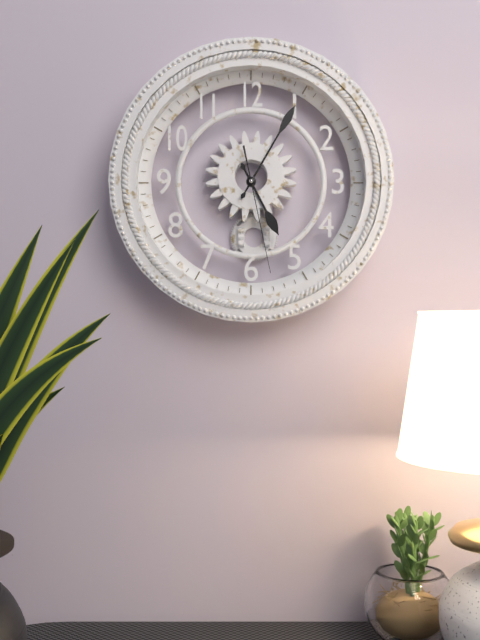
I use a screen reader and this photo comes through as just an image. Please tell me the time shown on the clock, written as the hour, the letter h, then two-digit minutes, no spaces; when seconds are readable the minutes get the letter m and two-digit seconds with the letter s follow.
5h05m28s
